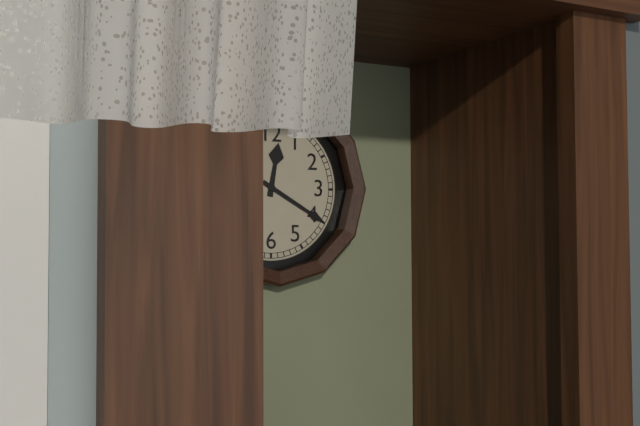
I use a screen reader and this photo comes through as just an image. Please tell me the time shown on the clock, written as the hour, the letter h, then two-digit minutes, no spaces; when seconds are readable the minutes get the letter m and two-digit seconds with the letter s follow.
12h20
